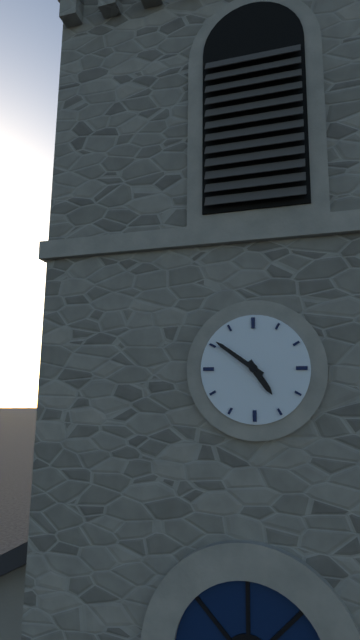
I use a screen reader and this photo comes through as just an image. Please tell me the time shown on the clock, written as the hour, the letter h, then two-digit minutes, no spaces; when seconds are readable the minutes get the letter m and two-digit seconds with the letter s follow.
4h51
